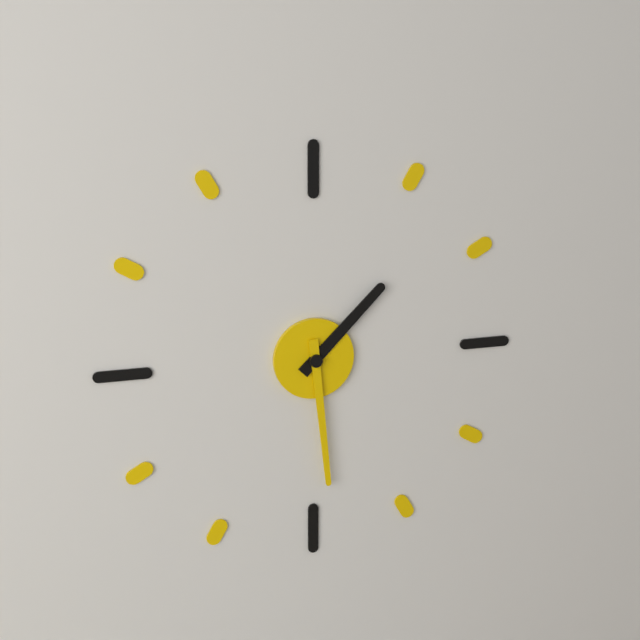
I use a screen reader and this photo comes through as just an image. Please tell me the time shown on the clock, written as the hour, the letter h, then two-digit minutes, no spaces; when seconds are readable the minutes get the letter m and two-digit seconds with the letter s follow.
1h29
